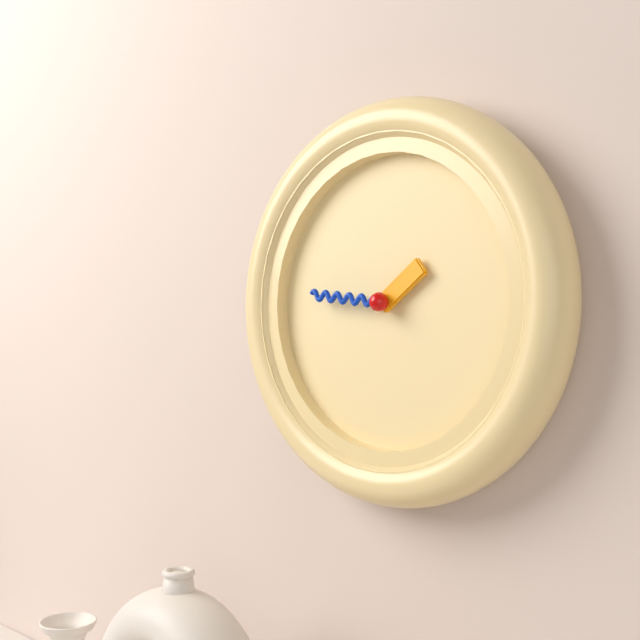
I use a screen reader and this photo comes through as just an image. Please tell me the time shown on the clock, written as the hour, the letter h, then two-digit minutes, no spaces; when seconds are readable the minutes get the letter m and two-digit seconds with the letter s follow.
1h46
